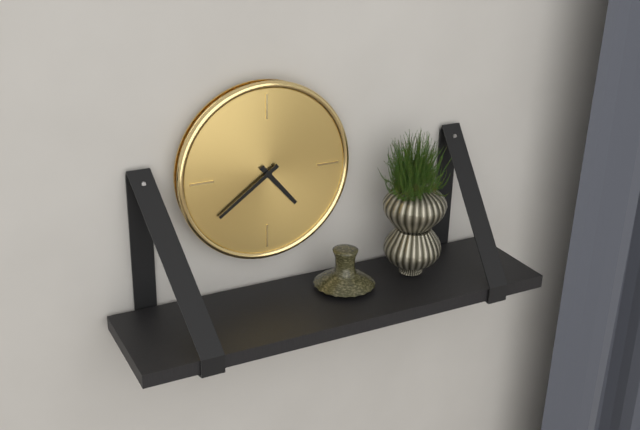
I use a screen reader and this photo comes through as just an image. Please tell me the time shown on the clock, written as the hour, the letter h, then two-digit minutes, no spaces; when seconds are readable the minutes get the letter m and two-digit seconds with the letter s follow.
4h39
